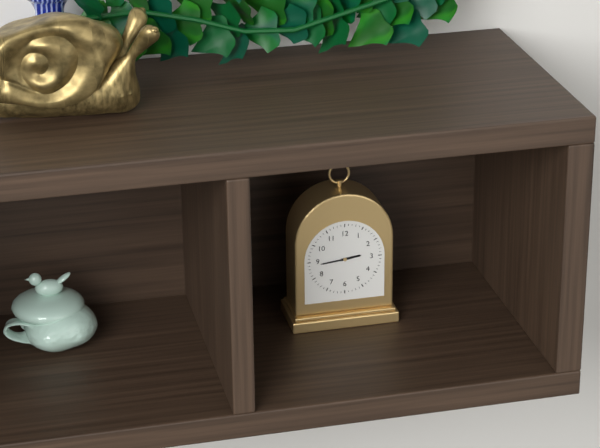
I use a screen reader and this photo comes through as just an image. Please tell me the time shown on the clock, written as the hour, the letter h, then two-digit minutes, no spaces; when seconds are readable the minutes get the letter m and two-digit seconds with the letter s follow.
2h44
